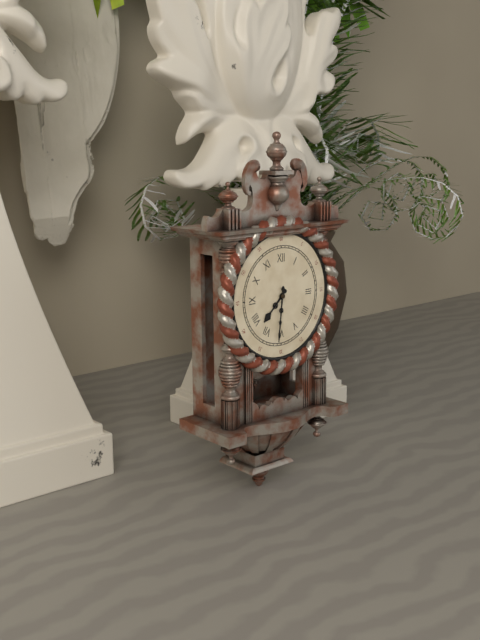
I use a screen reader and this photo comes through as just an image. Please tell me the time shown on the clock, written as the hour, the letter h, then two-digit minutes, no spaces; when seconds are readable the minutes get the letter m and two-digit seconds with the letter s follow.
7h31
